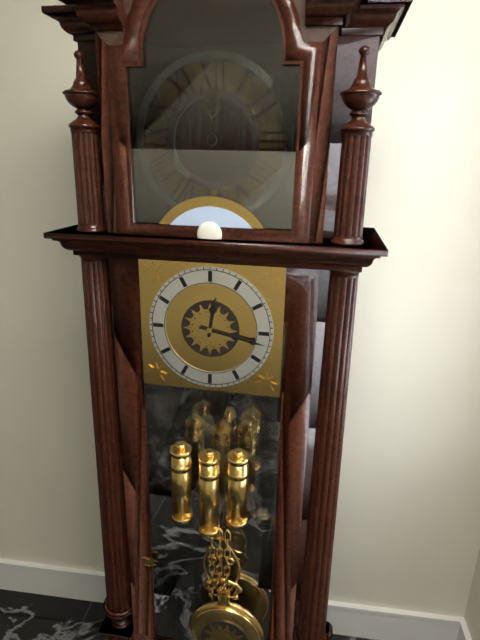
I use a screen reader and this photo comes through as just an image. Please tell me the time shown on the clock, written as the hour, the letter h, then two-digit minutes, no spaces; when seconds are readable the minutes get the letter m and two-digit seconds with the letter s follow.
12h17
